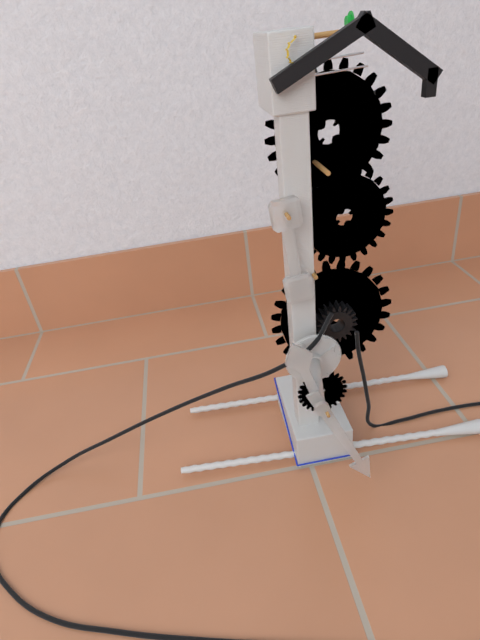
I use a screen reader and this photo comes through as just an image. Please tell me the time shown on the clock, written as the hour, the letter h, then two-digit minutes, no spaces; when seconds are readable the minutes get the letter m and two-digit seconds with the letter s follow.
11h26
